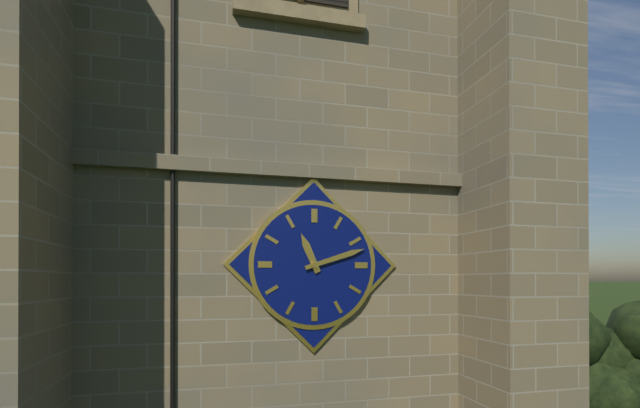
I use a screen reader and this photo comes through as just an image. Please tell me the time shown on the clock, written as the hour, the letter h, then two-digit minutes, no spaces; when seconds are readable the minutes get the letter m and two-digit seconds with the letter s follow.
11h12
